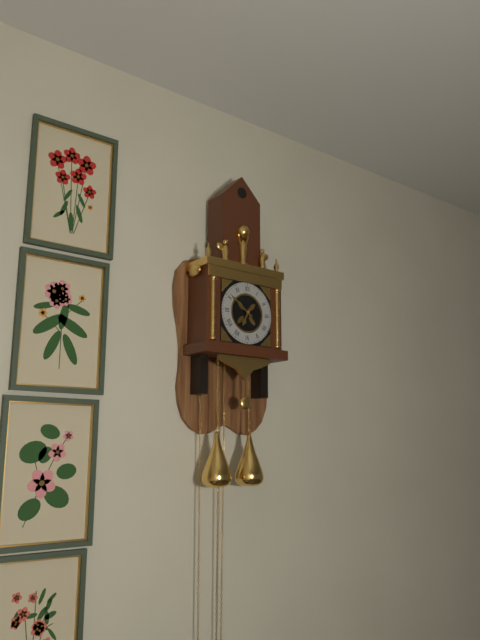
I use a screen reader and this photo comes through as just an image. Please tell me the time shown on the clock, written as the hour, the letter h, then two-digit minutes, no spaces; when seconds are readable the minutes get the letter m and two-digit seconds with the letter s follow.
6h51
